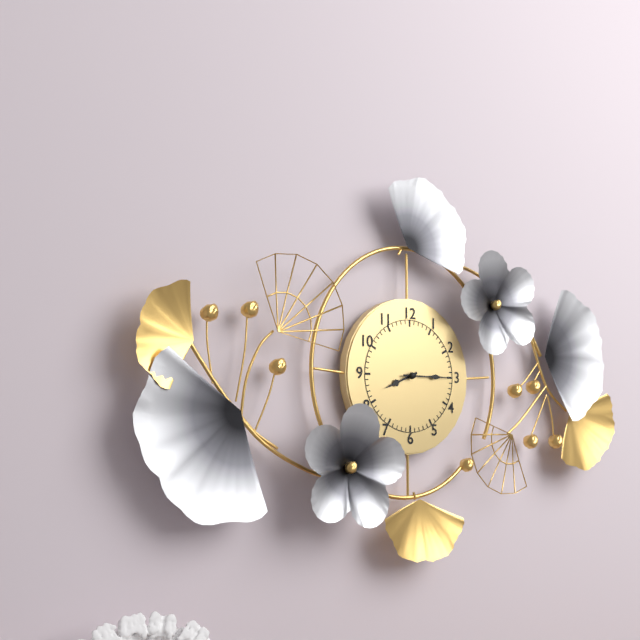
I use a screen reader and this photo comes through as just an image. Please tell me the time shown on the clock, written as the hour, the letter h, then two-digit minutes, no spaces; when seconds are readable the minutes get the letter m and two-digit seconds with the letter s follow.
8h15
